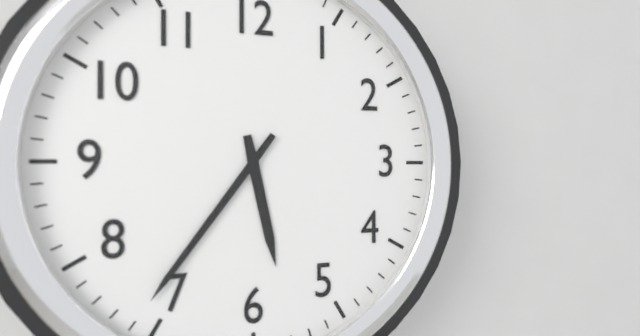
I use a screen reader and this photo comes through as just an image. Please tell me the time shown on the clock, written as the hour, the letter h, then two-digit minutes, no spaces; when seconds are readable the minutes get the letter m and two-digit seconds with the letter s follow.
5h36
